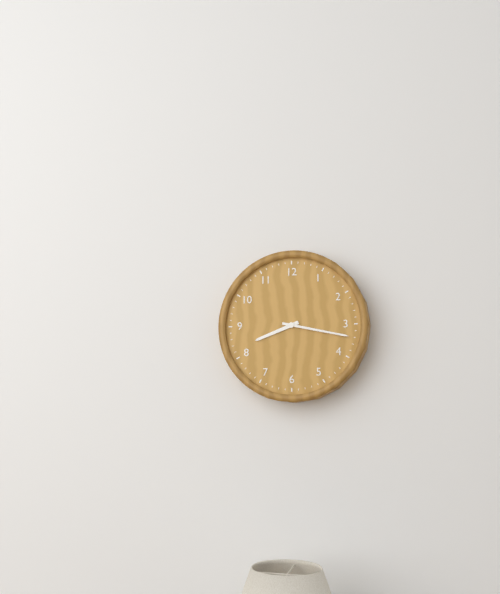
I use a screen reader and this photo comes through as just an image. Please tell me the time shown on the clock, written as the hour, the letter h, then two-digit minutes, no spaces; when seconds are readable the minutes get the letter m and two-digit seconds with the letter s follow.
8h17
